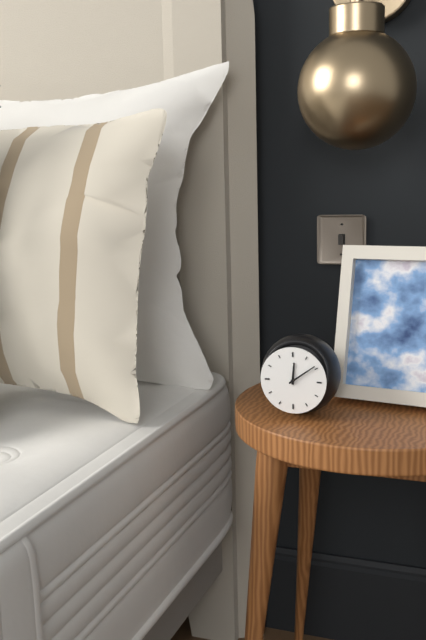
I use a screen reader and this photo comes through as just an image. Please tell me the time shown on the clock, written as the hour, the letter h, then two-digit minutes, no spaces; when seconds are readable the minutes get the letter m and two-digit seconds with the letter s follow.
12h09
